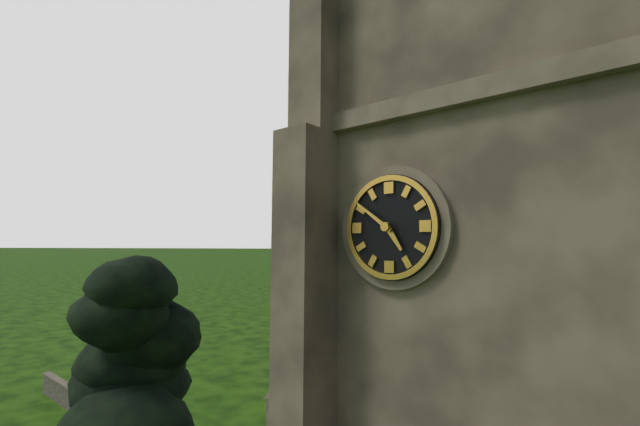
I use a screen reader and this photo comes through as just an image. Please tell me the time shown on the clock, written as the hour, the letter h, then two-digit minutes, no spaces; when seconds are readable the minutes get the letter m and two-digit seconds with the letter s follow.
4h51
